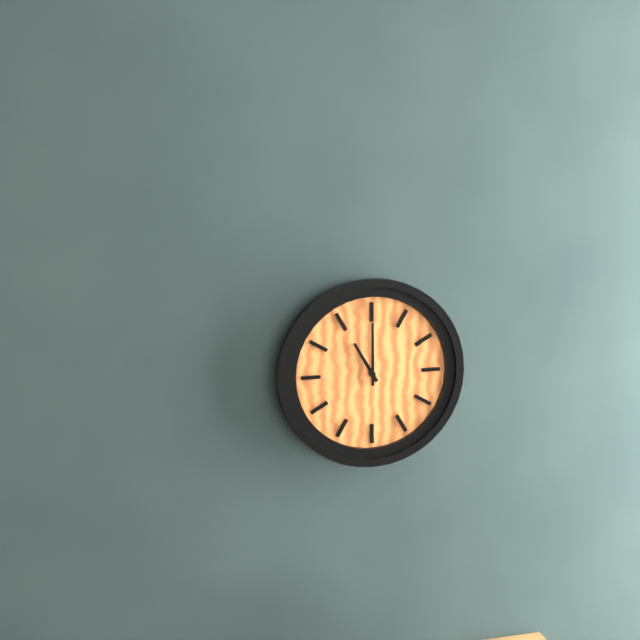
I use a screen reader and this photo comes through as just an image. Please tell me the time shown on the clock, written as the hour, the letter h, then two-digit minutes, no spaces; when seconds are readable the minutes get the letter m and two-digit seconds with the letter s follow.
11h00
